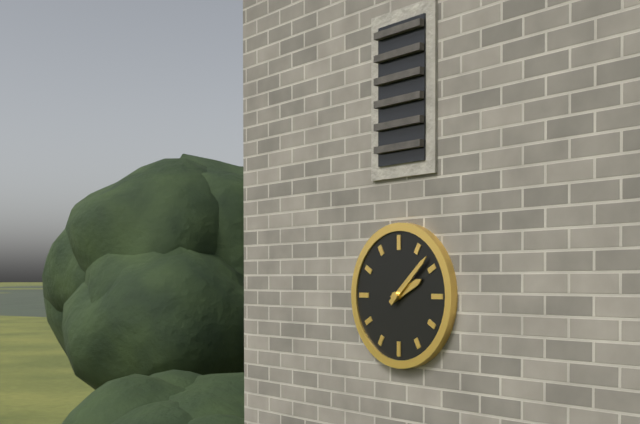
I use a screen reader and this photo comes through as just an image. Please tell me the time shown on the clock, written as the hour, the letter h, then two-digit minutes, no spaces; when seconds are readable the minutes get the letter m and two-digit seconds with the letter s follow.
2h08
